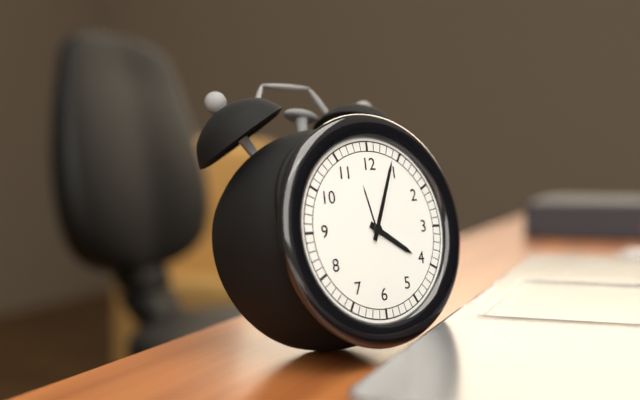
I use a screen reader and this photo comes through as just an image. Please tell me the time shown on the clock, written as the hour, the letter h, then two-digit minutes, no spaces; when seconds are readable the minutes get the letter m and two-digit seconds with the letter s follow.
4h04
